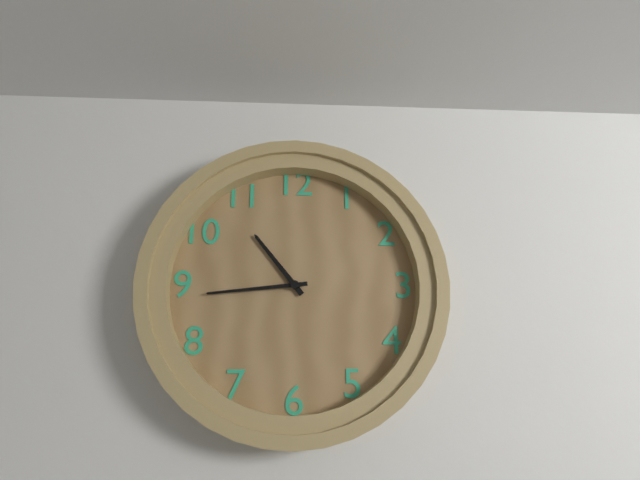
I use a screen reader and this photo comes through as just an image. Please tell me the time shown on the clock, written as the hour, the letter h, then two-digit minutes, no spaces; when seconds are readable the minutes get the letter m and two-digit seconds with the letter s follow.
10h44
